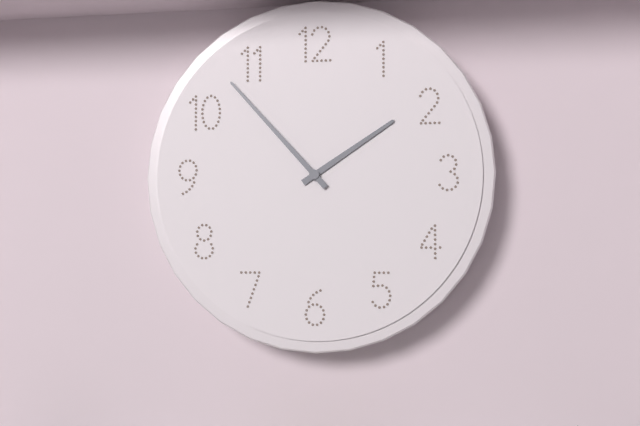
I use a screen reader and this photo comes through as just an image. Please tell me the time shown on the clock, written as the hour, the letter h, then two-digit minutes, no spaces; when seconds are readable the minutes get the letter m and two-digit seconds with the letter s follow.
1h53
